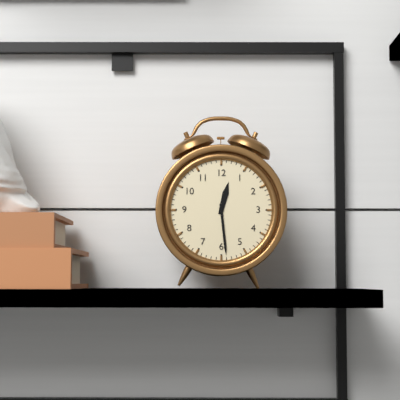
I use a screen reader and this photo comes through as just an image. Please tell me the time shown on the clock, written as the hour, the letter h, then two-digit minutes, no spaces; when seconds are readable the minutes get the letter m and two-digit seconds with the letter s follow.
12h29
